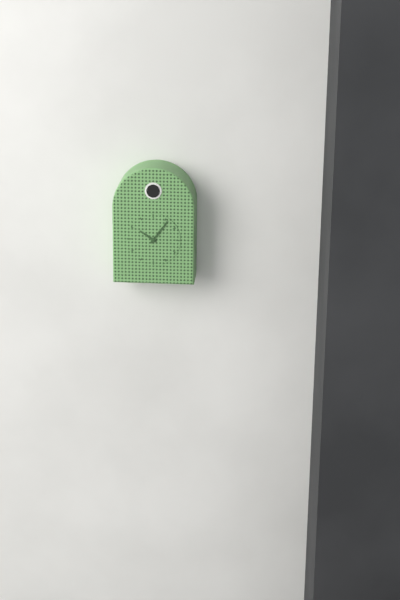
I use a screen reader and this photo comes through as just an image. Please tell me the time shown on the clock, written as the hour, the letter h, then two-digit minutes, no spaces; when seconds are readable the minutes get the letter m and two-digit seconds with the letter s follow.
10h06
